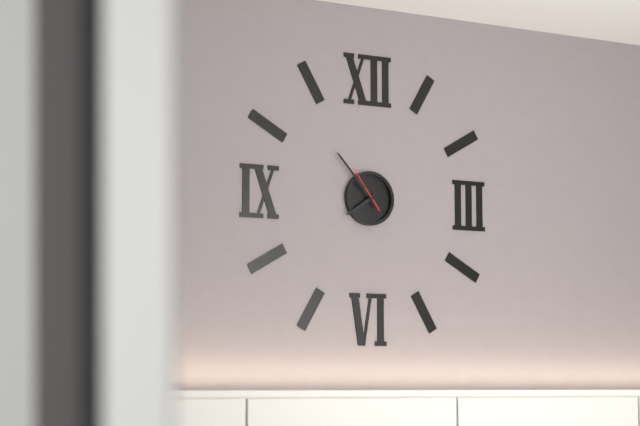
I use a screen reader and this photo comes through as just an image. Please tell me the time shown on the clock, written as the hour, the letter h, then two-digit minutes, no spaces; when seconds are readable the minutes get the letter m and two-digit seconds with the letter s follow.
7h53
